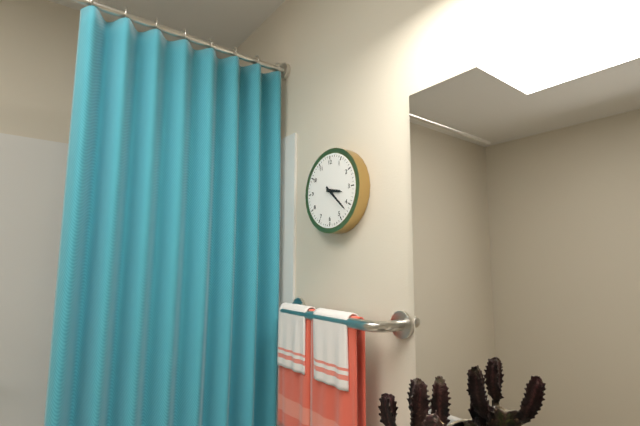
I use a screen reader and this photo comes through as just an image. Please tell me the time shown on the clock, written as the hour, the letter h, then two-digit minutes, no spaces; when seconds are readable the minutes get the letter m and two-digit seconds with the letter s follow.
3h22
